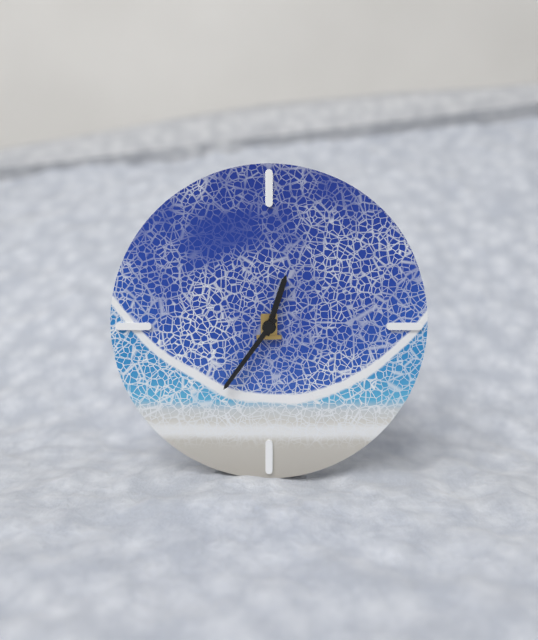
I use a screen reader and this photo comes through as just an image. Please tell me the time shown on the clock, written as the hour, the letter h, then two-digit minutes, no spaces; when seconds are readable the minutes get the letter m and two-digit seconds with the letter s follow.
12h36
